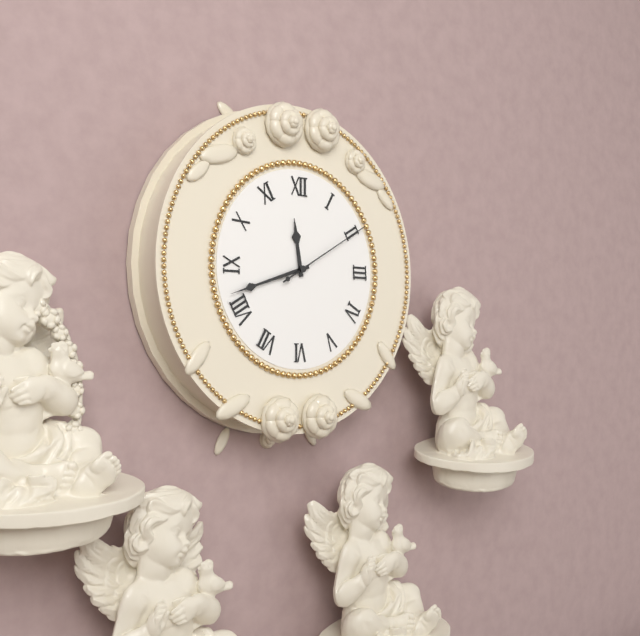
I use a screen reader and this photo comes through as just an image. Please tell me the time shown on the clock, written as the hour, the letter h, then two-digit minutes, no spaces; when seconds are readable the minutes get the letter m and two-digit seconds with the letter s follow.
11h42m10s
